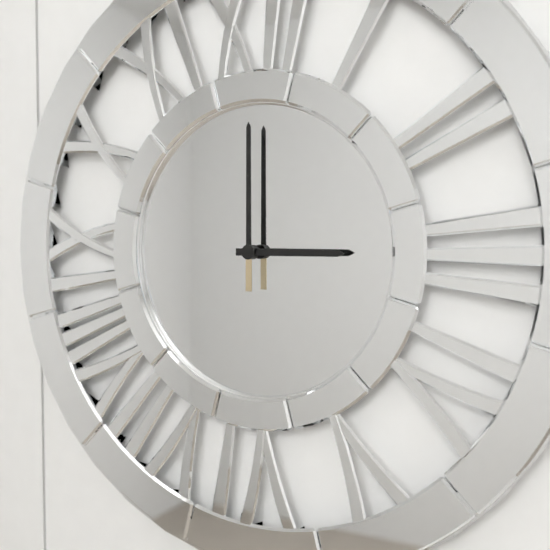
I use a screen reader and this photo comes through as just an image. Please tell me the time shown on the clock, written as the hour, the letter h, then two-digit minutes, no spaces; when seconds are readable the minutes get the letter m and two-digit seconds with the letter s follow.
3h00
